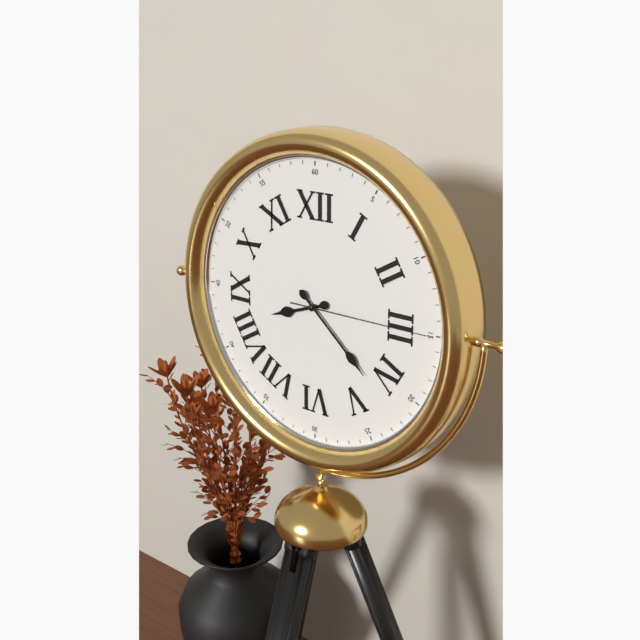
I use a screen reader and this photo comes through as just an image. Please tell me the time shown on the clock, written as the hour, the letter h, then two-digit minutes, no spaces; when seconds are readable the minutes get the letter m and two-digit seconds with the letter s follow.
8h22m15s
